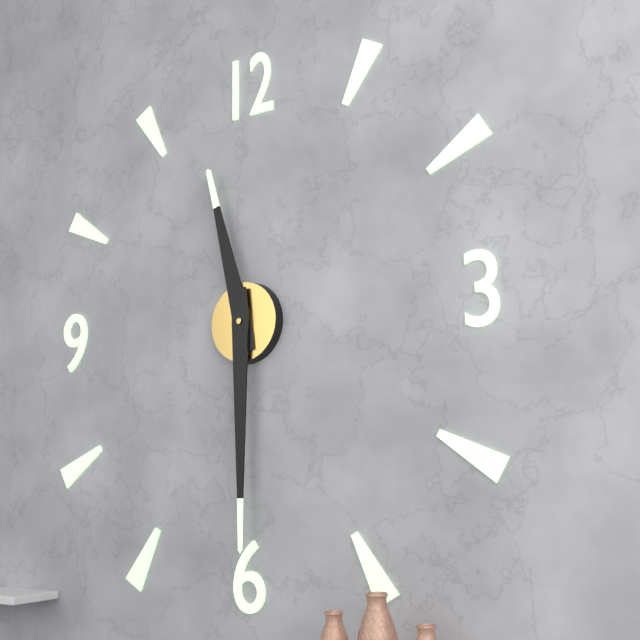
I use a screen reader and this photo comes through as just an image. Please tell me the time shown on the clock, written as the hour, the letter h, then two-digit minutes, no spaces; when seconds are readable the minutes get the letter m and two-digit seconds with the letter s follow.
11h30
